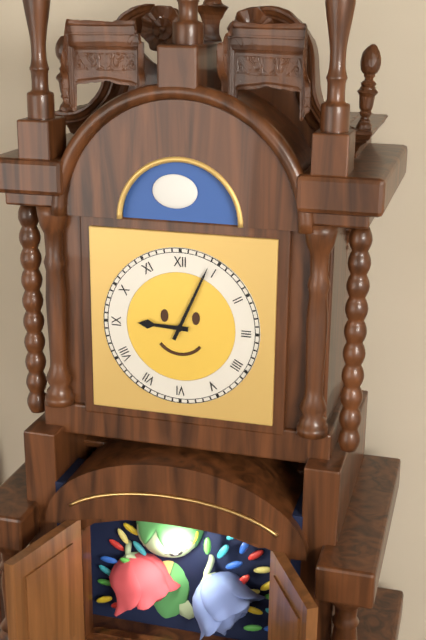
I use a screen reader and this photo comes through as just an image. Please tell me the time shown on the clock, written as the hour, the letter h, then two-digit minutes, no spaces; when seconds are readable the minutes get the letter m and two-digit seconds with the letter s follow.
9h04
